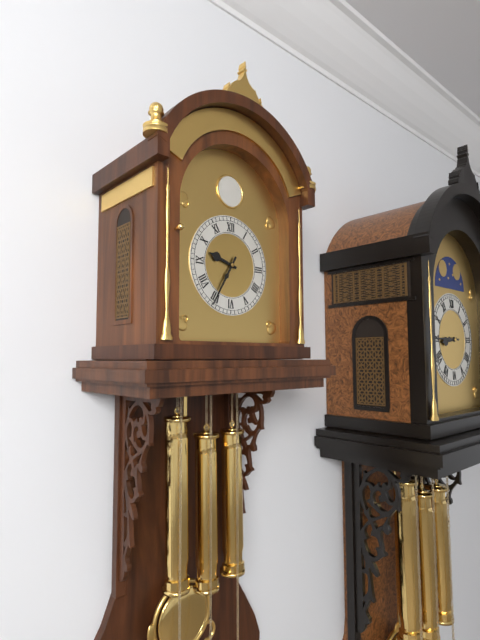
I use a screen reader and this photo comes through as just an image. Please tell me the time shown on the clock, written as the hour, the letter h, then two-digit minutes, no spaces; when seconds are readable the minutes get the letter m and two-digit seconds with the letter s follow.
9h35
